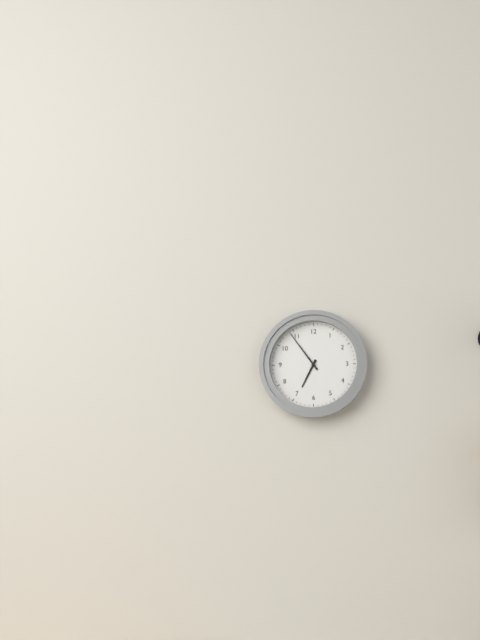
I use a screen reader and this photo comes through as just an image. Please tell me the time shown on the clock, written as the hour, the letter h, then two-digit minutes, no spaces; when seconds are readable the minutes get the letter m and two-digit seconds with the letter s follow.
6h54
